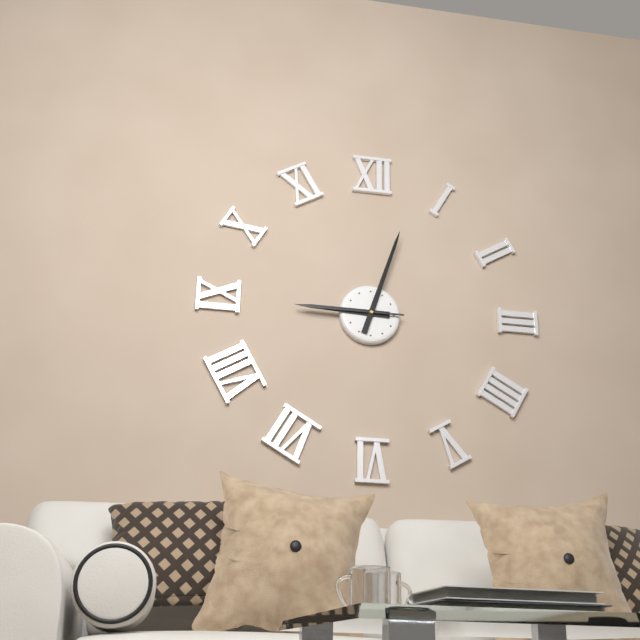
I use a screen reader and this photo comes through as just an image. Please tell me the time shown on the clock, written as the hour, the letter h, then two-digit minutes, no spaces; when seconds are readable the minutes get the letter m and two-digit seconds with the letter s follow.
9h03m45s
